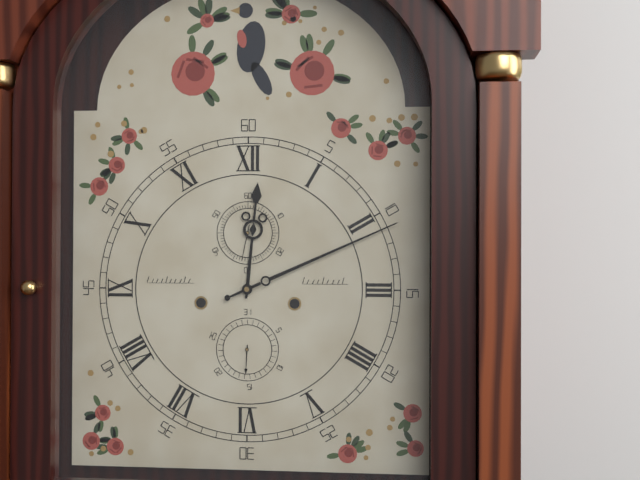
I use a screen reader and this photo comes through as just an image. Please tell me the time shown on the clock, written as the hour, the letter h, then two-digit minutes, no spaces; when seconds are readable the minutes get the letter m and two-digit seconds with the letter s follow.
12h11
